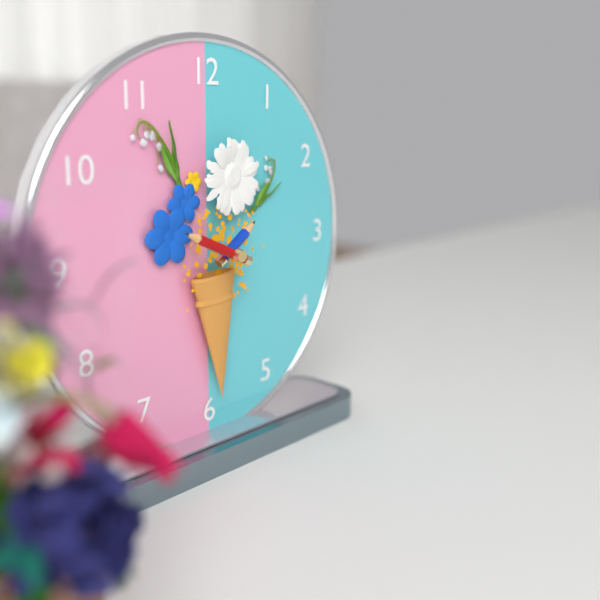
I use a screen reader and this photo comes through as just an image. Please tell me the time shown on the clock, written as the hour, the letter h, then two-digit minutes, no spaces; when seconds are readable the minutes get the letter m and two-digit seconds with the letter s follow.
1h49
